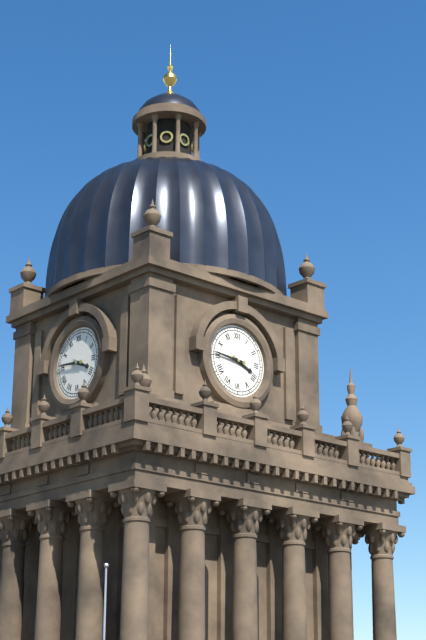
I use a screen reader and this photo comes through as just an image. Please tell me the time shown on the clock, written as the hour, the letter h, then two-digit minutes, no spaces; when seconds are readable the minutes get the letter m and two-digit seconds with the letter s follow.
3h46
